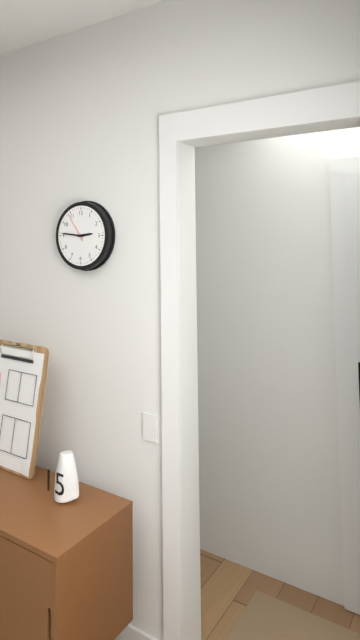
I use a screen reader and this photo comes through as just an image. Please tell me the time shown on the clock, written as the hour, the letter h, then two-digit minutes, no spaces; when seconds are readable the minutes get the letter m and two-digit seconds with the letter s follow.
2h46
